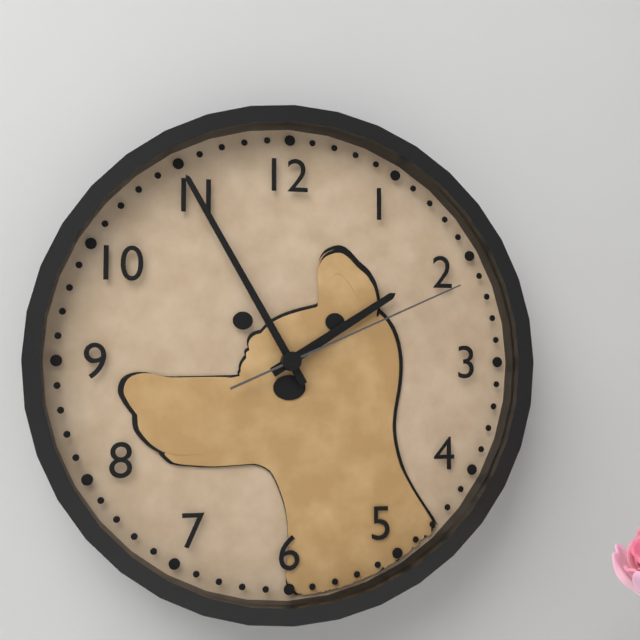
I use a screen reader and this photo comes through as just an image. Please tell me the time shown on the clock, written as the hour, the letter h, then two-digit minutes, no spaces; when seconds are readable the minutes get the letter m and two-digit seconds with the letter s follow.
1h55m11s
